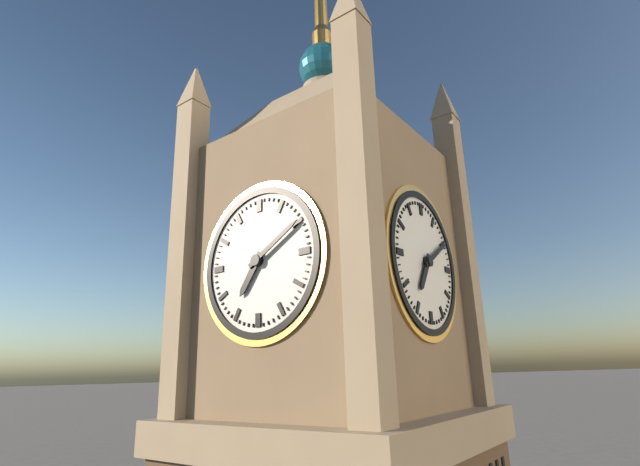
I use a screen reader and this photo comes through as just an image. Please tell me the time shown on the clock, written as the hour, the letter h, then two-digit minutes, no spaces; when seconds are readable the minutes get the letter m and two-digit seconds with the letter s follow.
7h10
